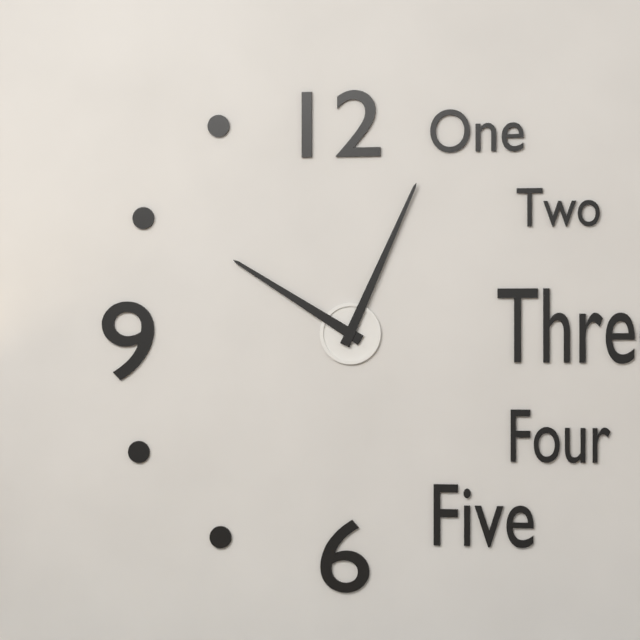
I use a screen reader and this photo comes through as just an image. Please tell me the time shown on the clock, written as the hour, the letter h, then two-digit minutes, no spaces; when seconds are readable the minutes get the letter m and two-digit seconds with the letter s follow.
10h04
